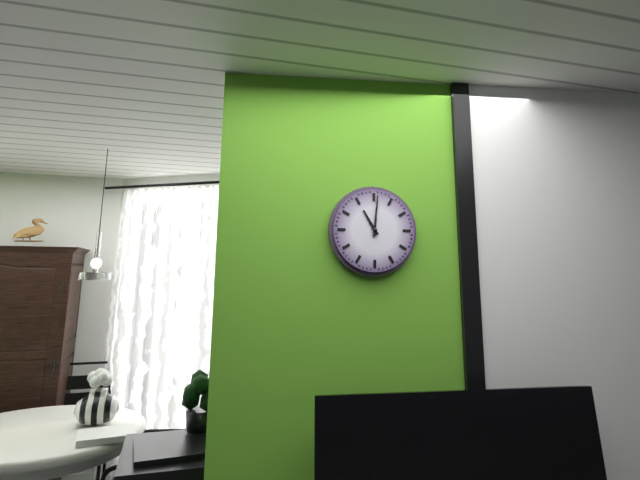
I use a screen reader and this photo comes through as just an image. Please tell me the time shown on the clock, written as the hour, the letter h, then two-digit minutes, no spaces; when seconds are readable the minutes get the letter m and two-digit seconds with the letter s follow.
11h01
